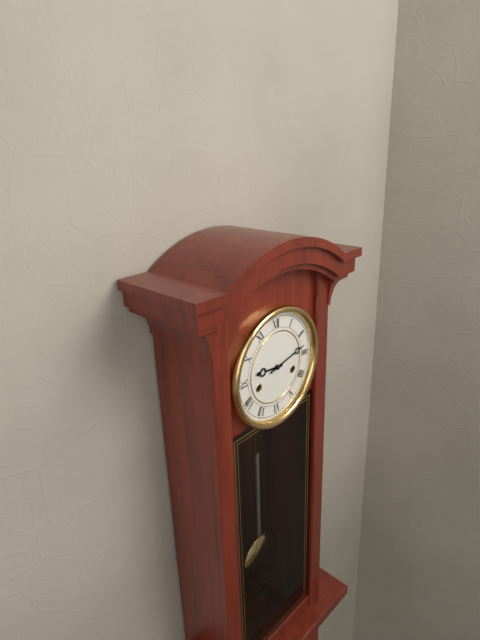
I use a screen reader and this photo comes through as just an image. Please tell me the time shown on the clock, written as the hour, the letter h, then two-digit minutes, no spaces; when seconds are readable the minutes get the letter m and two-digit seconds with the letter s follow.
9h13
